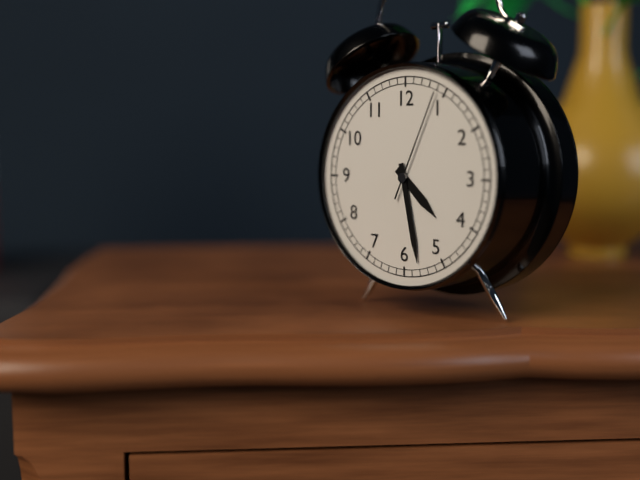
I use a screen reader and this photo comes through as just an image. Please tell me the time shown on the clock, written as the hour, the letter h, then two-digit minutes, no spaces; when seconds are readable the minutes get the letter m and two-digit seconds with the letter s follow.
4h28m04s
